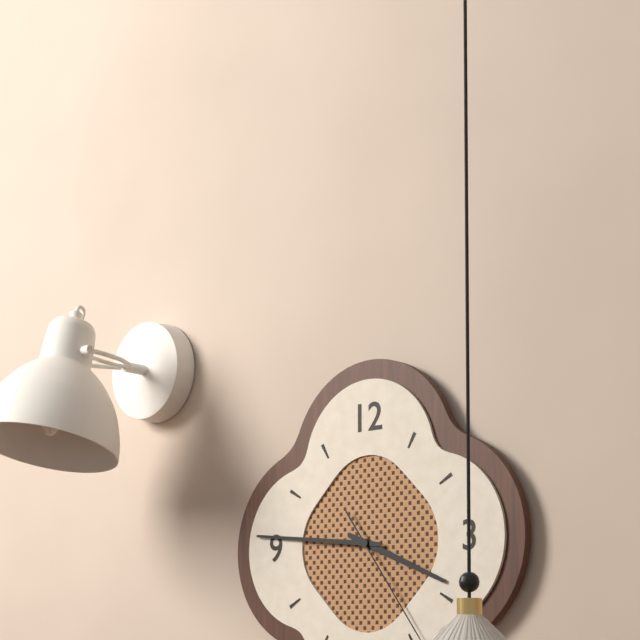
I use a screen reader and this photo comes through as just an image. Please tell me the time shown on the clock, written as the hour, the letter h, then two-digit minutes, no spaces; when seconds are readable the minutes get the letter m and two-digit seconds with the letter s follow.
3h46
